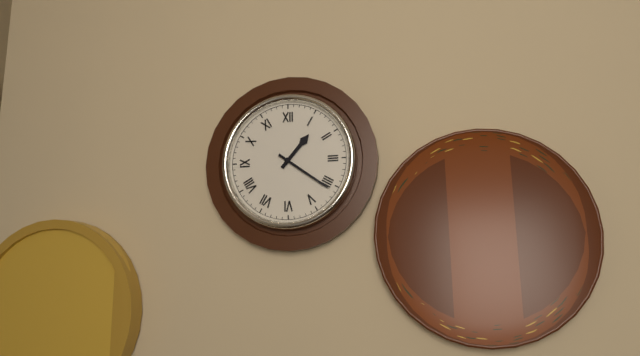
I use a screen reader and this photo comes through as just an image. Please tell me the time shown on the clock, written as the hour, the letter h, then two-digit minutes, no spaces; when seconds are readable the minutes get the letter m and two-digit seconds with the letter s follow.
1h21
